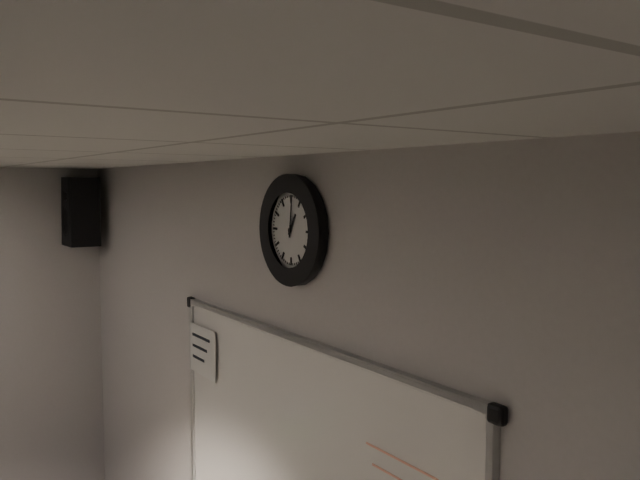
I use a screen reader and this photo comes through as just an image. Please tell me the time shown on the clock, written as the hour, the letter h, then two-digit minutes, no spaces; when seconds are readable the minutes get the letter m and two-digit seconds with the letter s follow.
1h01
